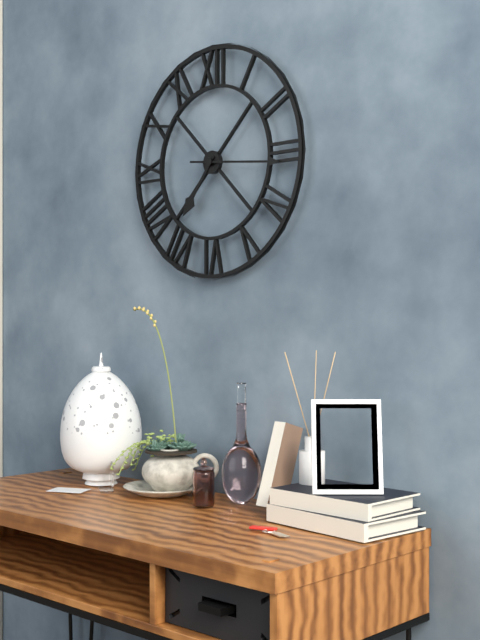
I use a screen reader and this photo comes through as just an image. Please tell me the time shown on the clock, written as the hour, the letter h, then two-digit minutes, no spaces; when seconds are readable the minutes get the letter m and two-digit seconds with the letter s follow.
7h16
